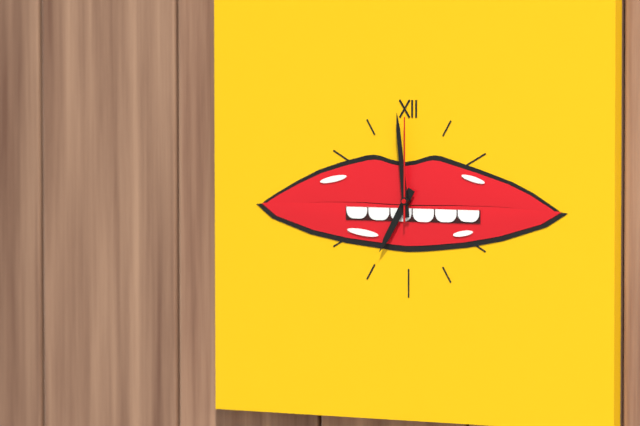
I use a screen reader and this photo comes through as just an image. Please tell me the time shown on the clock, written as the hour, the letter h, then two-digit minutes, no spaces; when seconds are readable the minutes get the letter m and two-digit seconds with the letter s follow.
6h59m00s
